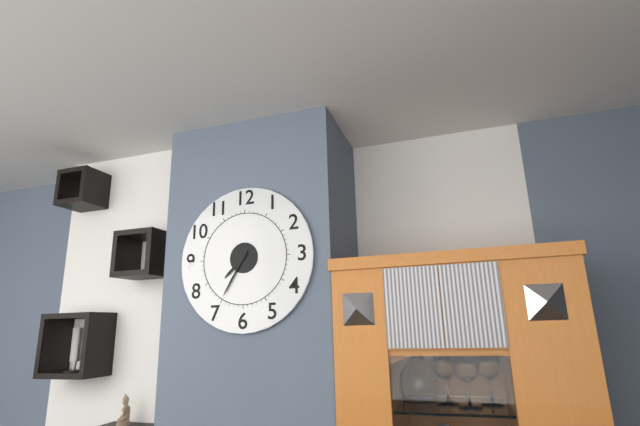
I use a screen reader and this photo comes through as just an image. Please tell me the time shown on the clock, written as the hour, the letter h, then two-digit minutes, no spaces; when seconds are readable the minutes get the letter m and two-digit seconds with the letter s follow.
7h35
